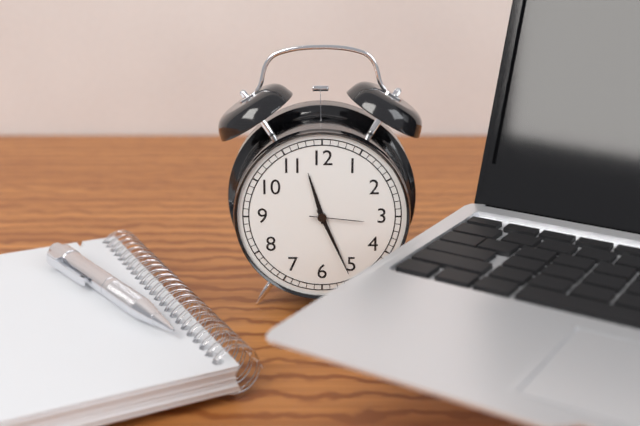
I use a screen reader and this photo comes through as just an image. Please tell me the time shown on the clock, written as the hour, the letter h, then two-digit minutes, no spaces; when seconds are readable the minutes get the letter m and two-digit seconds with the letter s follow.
11h26m16s
